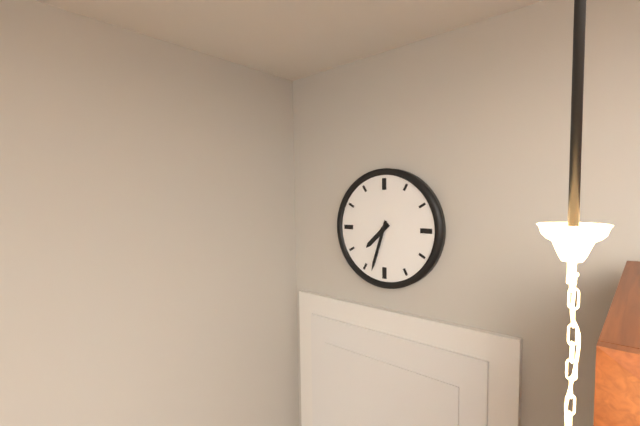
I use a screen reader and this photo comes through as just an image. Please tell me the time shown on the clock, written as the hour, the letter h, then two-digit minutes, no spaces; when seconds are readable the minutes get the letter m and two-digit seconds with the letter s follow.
7h33
